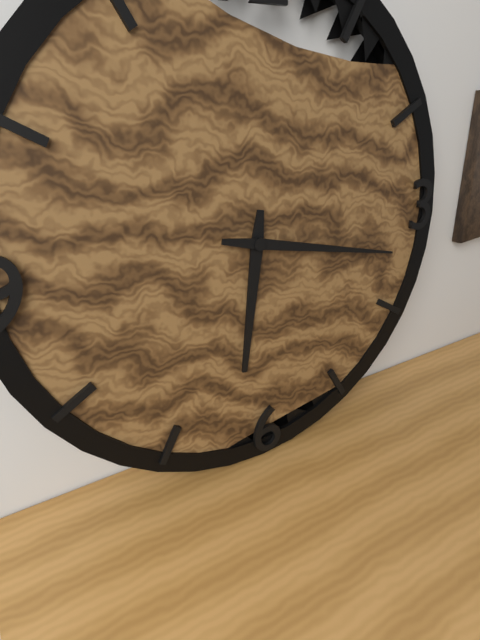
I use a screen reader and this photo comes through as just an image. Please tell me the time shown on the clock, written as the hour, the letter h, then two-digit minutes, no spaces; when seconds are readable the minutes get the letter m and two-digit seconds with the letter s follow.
6h17
